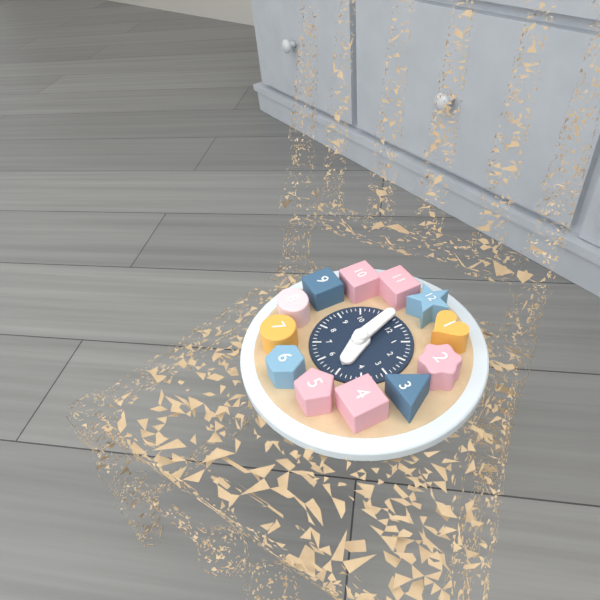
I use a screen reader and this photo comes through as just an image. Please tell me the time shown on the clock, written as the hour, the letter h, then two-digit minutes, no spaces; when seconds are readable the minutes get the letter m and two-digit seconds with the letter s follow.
4h57
